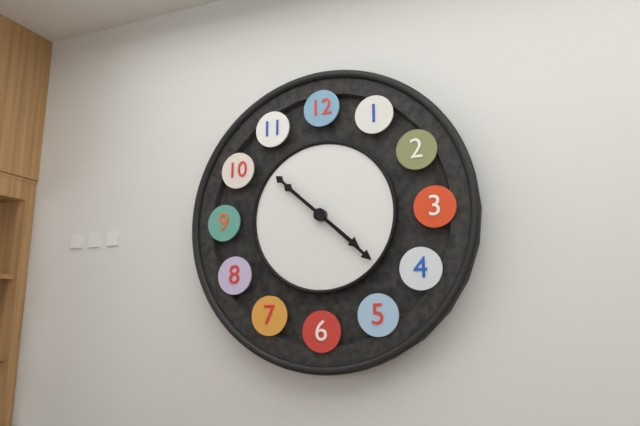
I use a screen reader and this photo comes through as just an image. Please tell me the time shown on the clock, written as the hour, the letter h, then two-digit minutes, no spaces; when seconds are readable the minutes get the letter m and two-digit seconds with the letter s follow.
4h22
